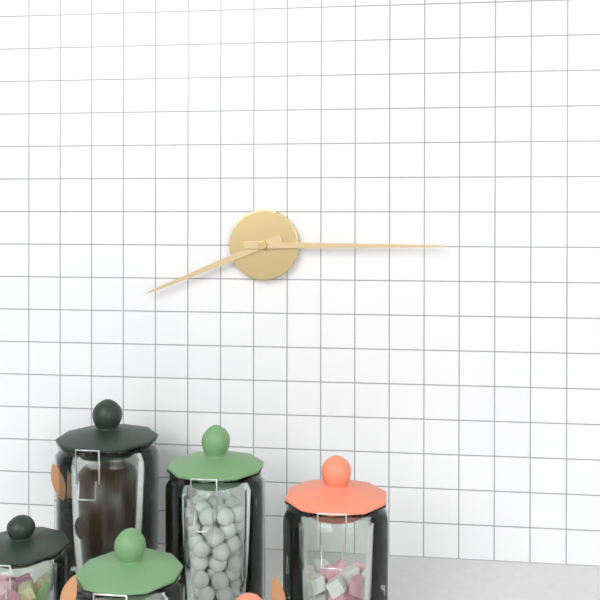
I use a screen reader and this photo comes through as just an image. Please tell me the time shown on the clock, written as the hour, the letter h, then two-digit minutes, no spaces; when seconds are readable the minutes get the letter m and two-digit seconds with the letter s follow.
8h15
